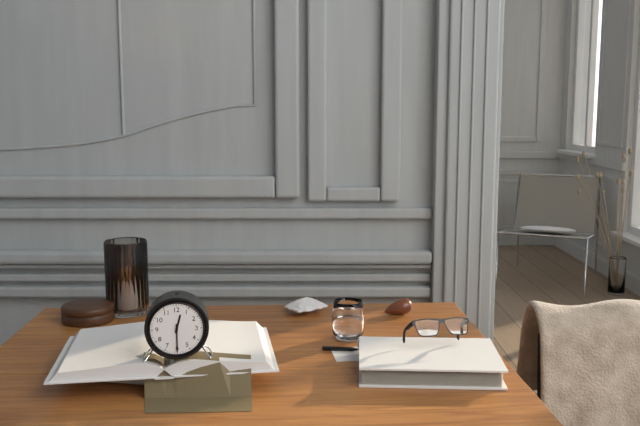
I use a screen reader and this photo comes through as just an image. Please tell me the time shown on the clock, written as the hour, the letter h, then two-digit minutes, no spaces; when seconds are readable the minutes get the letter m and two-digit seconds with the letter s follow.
12h30
